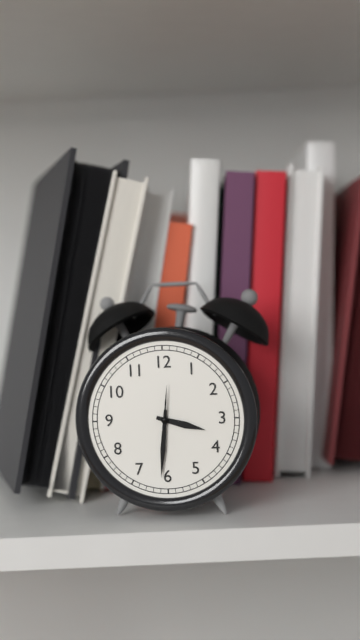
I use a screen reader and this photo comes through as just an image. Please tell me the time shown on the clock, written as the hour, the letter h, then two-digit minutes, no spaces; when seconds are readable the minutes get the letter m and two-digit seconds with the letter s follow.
3h31
